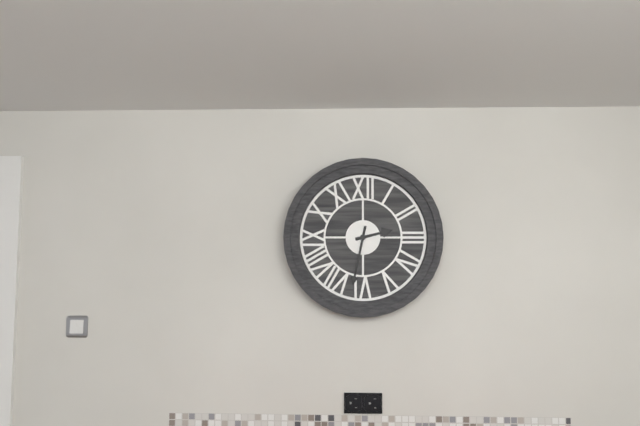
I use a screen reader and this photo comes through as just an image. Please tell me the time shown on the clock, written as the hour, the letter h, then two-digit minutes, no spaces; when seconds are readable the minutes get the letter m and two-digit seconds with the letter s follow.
2h32
